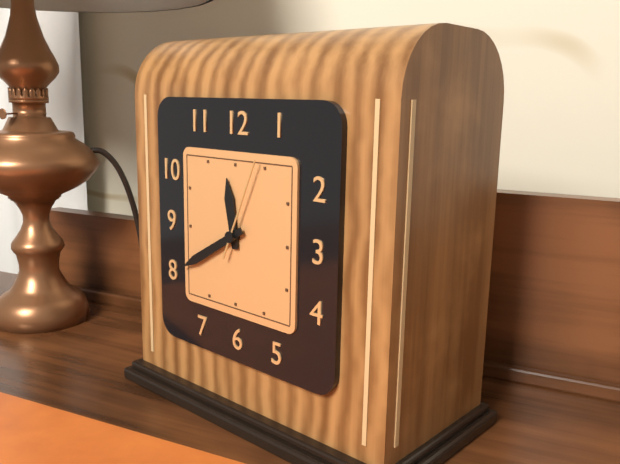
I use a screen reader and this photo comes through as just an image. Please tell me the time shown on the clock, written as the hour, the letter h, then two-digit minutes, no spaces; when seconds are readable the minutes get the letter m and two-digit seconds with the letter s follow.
11h40m04s
